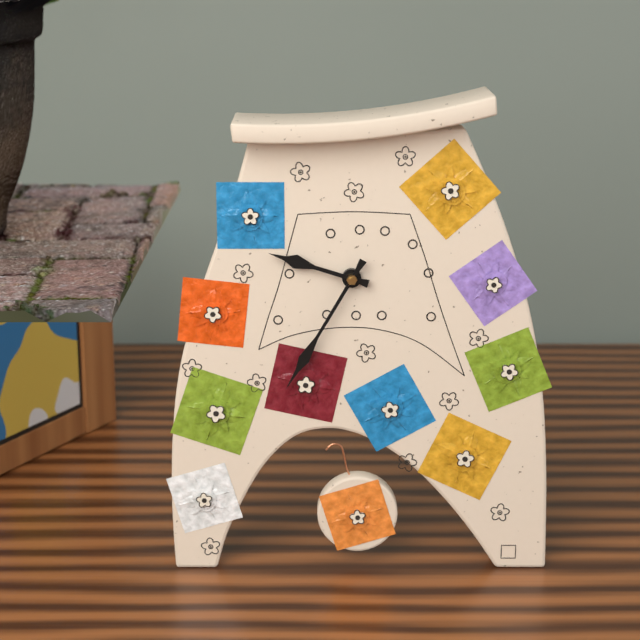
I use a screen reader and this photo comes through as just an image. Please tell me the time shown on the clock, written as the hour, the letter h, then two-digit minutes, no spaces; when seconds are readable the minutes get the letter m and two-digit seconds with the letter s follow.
9h35
